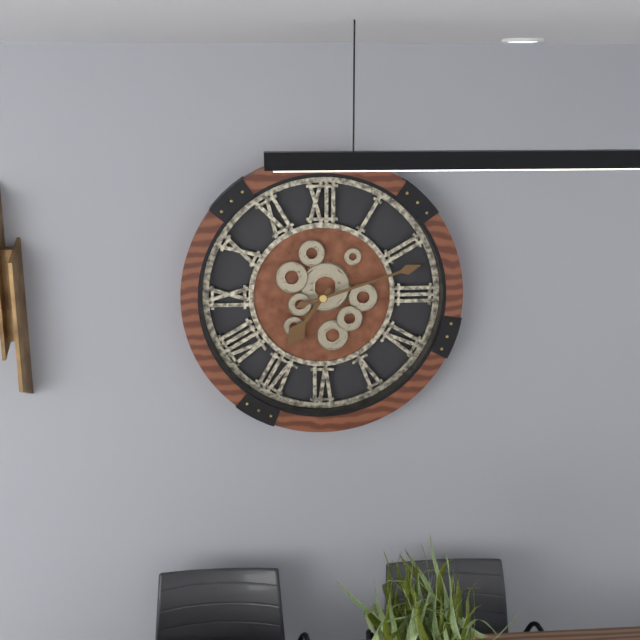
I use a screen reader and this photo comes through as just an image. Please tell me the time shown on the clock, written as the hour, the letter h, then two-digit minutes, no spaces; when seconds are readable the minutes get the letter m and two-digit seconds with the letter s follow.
7h12
